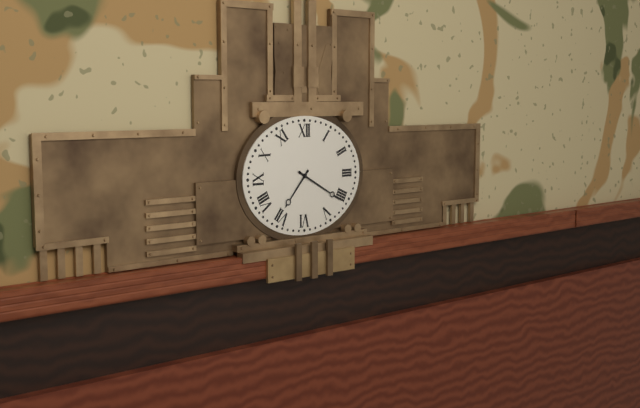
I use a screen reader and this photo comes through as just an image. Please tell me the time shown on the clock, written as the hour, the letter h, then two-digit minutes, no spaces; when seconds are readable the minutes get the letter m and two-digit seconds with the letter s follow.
7h20
